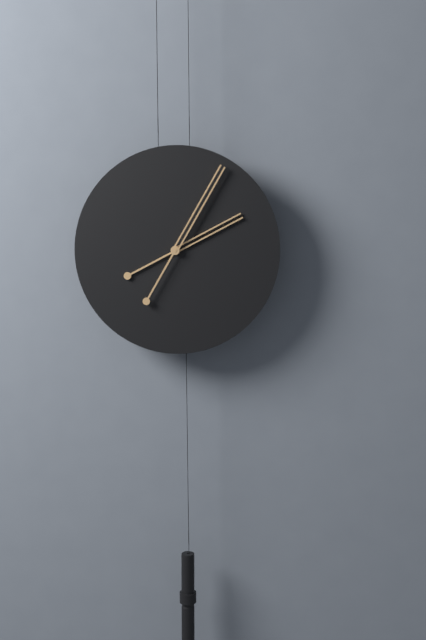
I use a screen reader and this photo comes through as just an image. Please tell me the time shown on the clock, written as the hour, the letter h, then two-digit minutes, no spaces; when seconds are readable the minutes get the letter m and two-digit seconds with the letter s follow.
2h05
